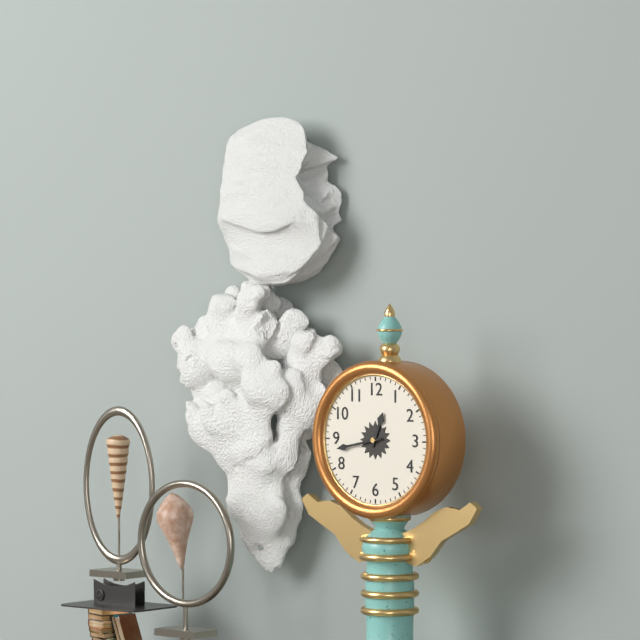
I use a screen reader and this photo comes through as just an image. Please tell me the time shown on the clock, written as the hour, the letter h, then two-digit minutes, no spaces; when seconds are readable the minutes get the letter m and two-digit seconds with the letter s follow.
12h43
